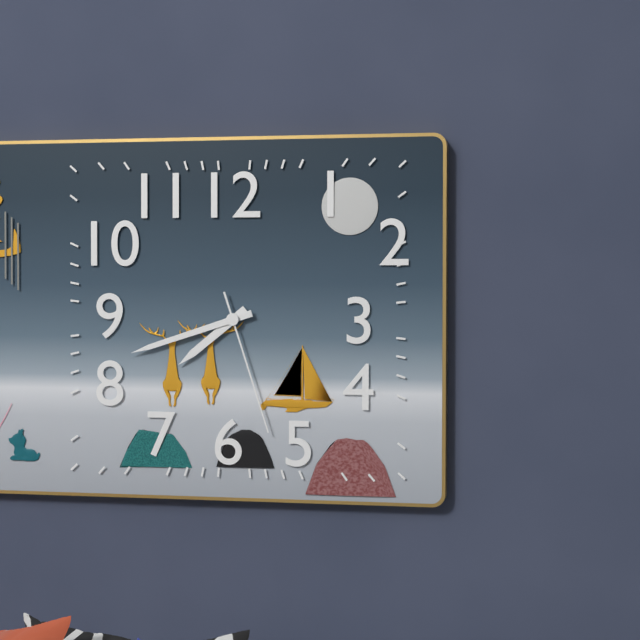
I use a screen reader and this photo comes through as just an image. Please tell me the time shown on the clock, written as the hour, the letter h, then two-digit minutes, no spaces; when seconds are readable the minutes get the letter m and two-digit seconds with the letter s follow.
7h42m27s
